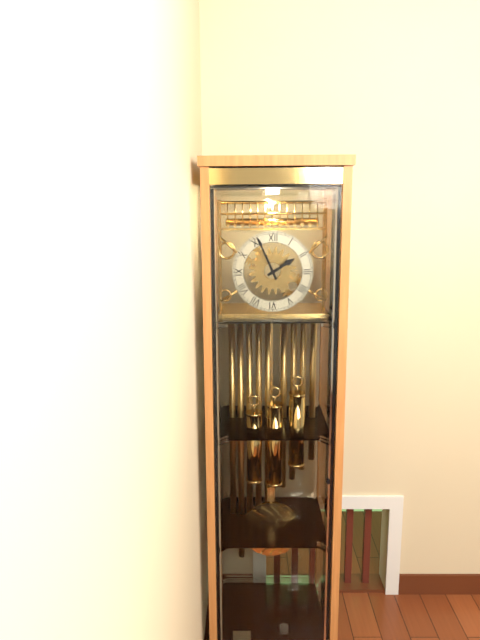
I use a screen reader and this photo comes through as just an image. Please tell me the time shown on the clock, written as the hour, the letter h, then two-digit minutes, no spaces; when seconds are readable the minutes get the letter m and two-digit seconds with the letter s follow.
1h56
